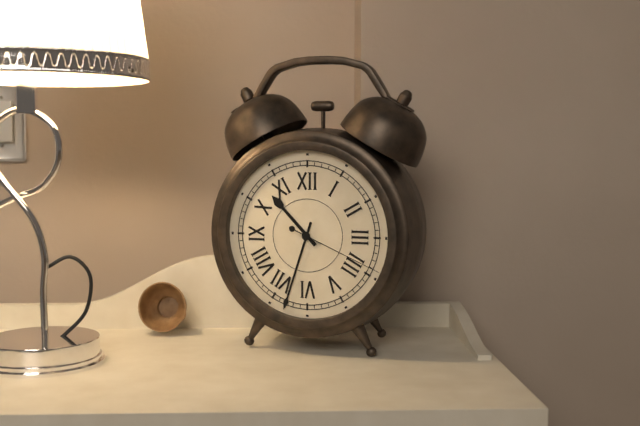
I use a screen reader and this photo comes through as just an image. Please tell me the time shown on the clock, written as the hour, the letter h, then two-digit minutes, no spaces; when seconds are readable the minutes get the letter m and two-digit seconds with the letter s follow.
10h33m19s
